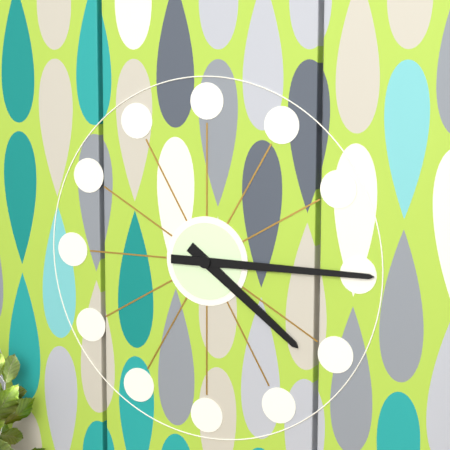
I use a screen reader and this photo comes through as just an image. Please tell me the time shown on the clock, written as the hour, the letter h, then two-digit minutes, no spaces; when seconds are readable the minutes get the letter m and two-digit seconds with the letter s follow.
4h15
